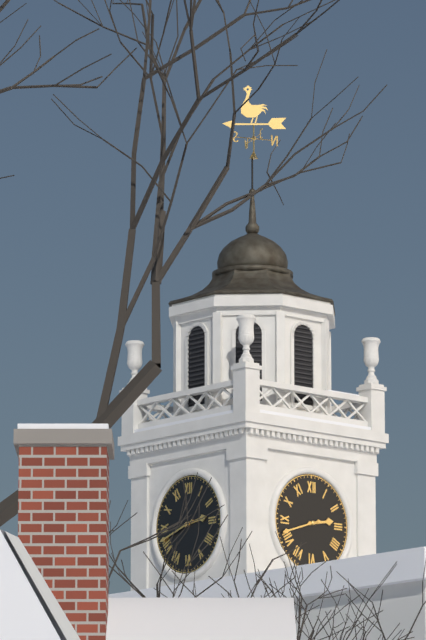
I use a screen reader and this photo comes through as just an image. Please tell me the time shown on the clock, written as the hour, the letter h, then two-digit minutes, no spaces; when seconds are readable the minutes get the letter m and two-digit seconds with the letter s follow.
2h42
